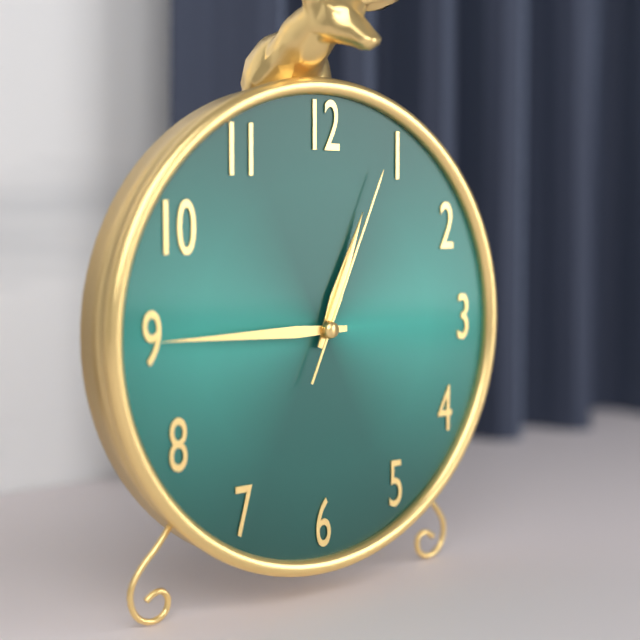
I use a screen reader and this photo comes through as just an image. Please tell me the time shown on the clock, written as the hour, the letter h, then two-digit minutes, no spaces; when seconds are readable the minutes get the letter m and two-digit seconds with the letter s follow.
12h45m04s
